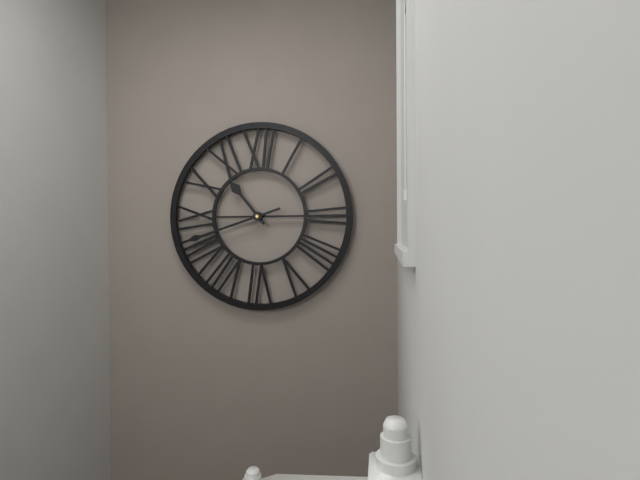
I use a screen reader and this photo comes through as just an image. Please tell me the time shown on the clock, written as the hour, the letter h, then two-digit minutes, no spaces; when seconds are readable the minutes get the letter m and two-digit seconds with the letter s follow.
10h42
